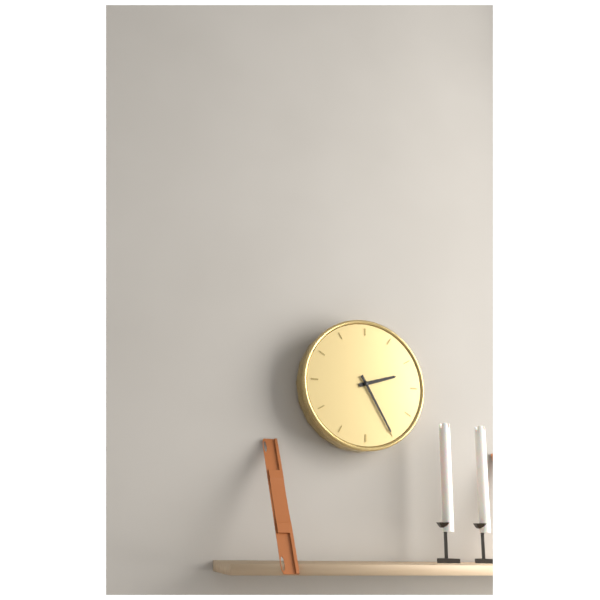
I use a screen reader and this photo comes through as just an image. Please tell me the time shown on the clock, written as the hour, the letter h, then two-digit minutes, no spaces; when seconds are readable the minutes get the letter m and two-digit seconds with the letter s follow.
2h25
